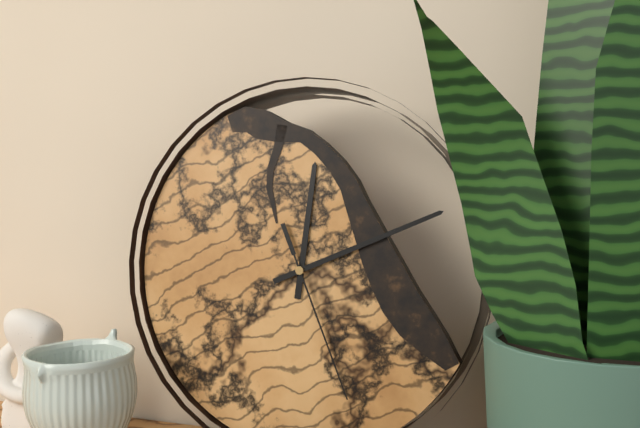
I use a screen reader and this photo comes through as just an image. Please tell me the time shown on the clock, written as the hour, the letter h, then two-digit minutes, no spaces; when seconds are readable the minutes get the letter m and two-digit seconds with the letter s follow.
12h11m26s
